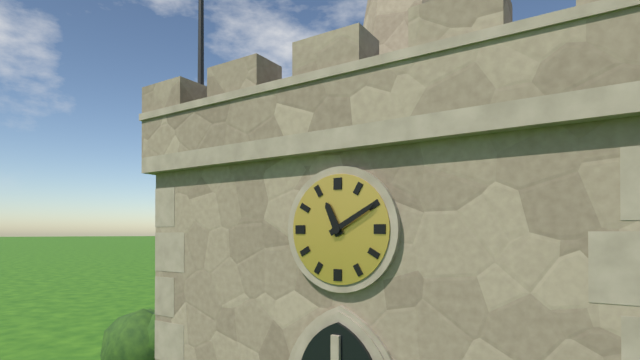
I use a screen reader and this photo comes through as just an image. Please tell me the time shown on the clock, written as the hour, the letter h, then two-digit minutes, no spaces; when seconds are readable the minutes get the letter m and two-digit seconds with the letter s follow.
11h10
